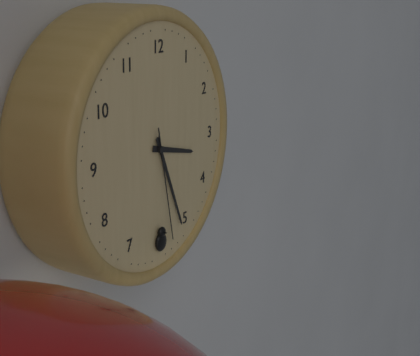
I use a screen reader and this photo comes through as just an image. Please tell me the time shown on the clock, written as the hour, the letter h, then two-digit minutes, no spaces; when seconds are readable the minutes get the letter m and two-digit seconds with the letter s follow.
3h26m28s
